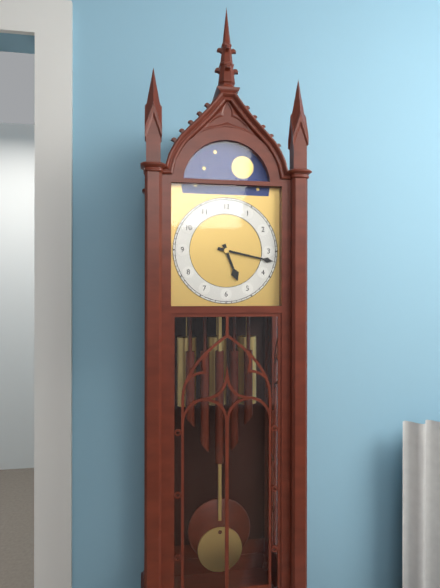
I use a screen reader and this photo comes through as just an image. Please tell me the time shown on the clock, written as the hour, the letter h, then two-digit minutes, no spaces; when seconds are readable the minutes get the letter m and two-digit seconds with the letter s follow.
5h17
